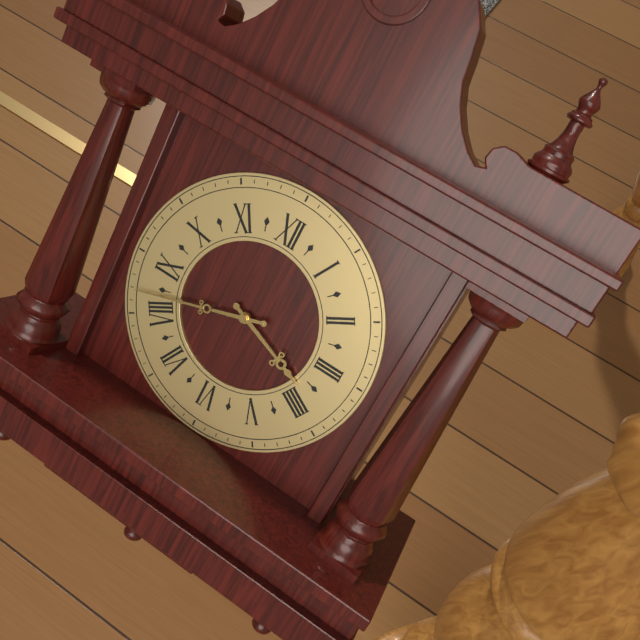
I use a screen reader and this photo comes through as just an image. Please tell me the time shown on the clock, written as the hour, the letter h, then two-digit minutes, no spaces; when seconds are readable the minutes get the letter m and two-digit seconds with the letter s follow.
3h42
